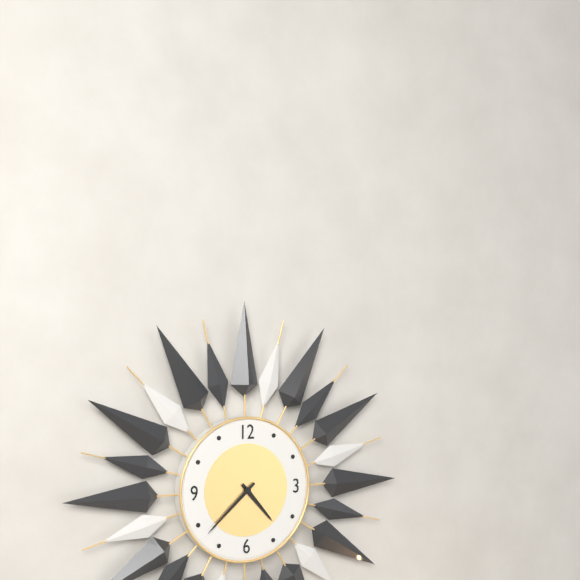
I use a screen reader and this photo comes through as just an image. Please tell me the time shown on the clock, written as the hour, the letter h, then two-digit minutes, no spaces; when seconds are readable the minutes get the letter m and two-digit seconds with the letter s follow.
4h38
